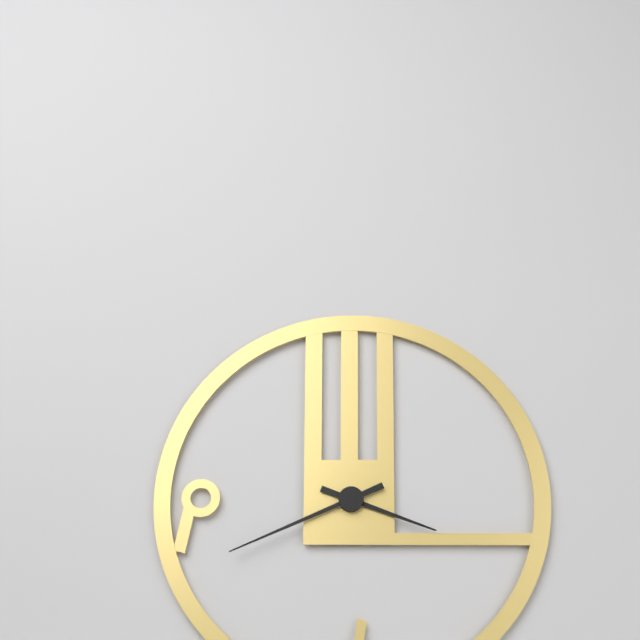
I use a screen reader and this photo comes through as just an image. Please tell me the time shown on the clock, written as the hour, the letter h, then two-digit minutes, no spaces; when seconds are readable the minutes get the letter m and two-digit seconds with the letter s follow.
3h41
